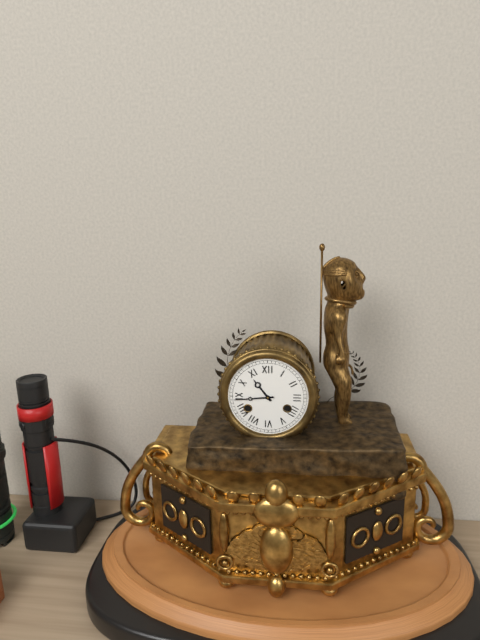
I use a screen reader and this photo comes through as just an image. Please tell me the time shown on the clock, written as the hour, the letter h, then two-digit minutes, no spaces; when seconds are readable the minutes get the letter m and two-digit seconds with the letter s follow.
10h44
